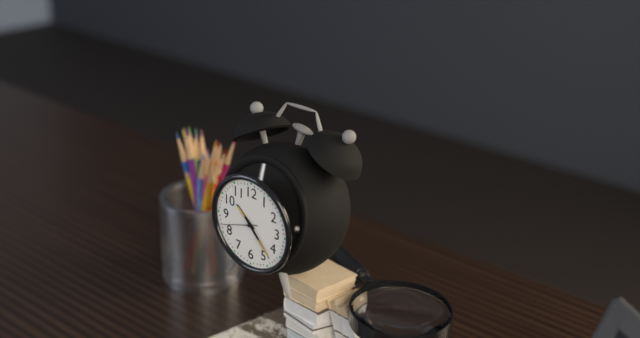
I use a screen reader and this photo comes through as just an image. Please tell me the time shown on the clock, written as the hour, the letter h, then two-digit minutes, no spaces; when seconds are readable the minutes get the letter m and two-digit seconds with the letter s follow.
10h23
